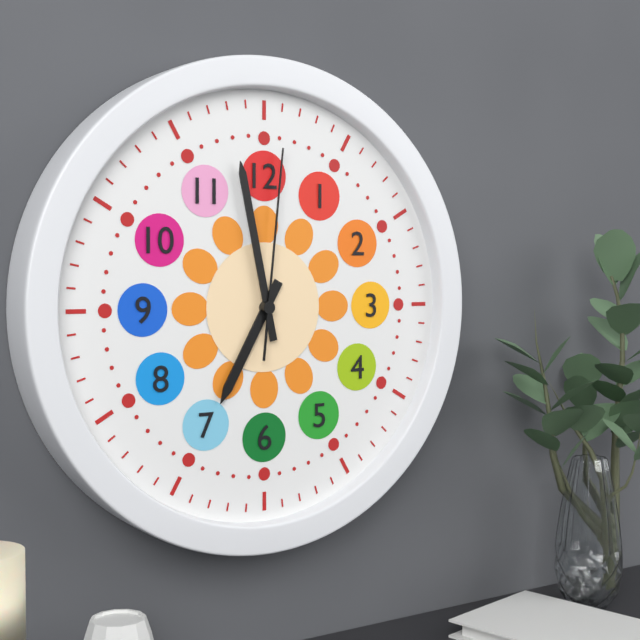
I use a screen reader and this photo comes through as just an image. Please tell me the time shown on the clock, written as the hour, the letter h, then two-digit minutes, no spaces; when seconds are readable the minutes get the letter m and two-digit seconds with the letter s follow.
6h58m01s
